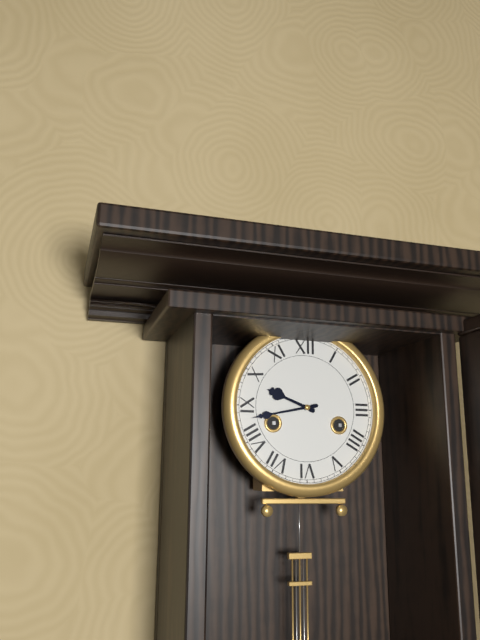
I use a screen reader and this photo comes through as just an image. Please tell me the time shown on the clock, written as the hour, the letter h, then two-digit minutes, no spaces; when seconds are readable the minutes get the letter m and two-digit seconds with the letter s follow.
9h43
